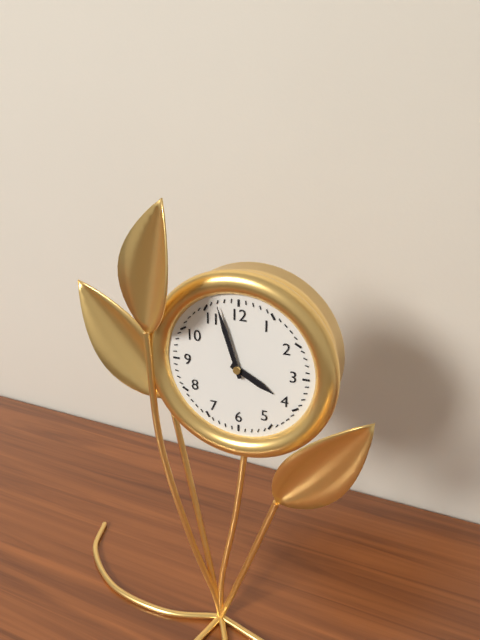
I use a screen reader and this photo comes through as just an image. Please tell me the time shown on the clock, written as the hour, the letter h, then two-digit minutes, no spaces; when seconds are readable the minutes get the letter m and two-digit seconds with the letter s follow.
3h57
